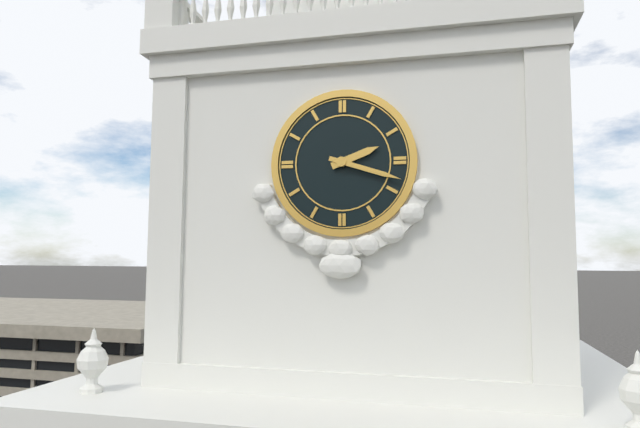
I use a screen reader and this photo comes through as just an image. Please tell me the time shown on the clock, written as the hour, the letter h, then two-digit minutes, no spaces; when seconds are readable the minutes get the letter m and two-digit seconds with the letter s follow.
2h18
